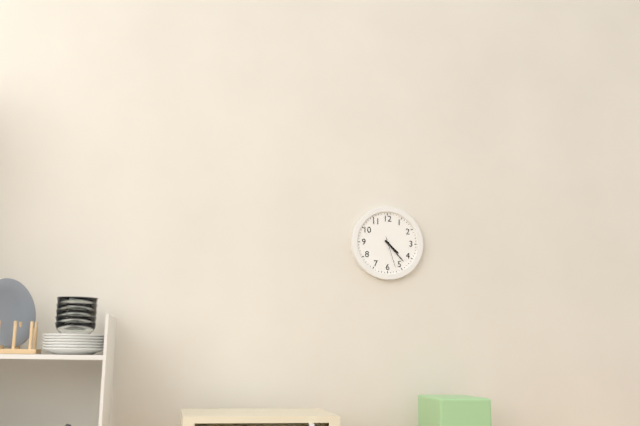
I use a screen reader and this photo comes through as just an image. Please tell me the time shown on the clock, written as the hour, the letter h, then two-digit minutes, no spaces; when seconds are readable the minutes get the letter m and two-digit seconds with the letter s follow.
4h23
